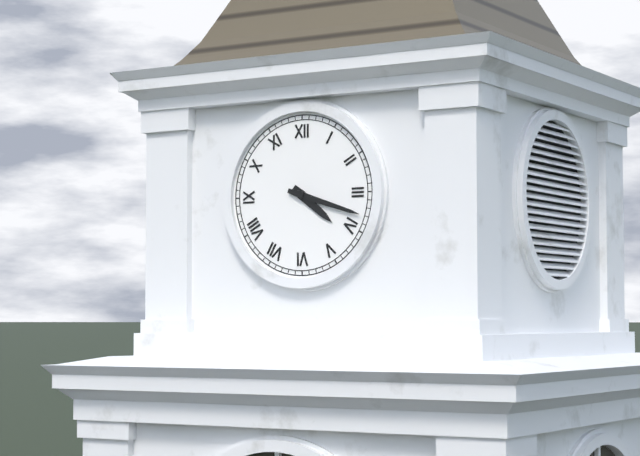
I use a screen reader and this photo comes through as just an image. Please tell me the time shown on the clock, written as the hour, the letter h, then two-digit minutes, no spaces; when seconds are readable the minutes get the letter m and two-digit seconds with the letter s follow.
4h18
